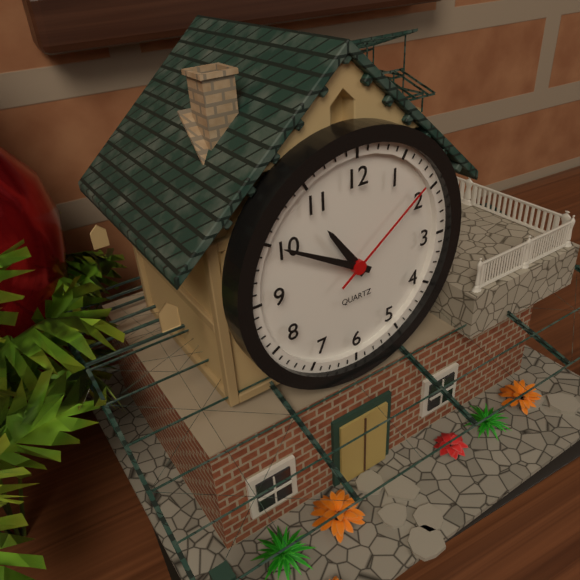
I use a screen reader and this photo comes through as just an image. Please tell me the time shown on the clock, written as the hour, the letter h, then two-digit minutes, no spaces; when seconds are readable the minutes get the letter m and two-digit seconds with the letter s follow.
10h50m09s
